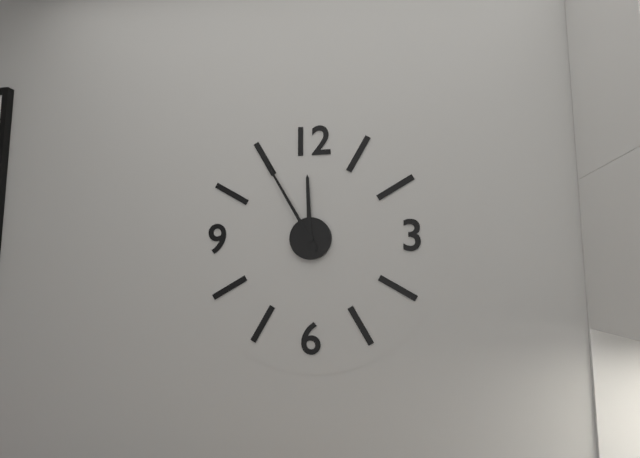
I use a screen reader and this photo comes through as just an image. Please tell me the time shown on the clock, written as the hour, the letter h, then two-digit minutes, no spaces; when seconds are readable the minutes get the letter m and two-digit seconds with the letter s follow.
11h55
